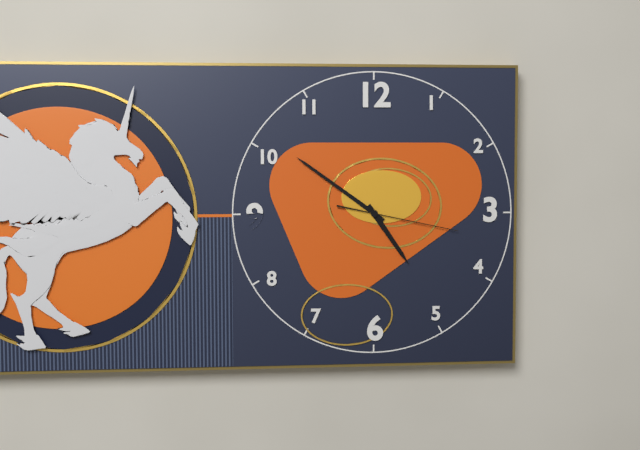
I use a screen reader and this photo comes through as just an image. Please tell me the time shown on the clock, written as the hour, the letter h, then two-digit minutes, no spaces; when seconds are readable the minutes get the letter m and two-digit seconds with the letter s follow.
4h51m17s
